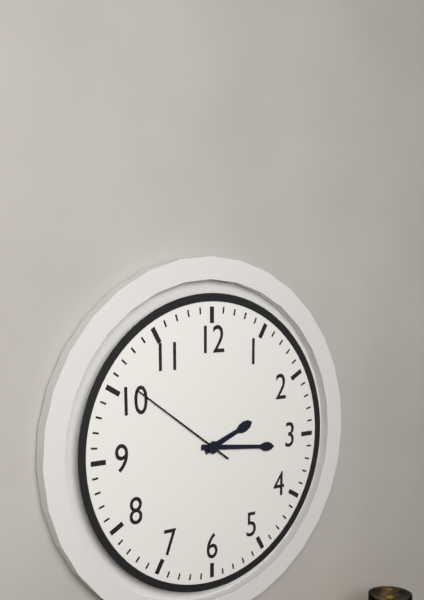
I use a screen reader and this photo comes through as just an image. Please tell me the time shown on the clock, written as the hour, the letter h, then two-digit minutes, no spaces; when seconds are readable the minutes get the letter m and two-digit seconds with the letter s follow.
2h16m51s
